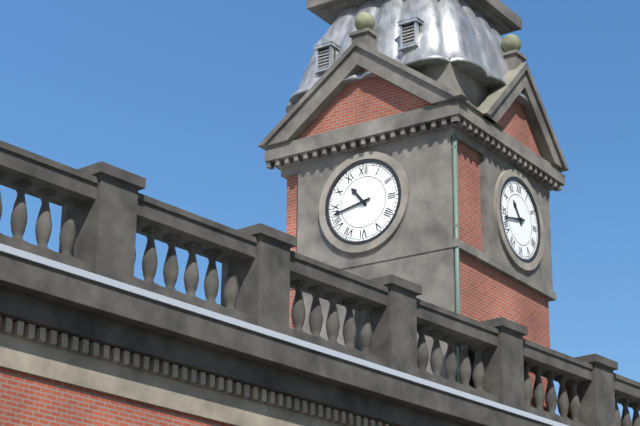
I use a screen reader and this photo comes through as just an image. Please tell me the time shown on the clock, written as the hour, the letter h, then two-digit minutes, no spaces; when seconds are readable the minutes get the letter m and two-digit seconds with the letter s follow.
10h43
